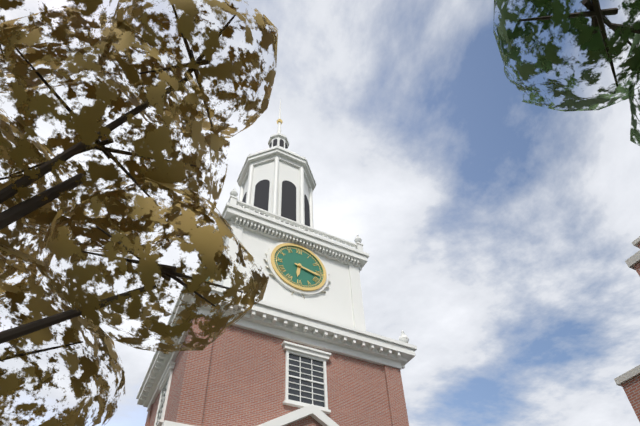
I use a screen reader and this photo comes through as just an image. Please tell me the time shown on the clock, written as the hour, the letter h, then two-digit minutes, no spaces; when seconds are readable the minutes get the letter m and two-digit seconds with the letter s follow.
6h17
